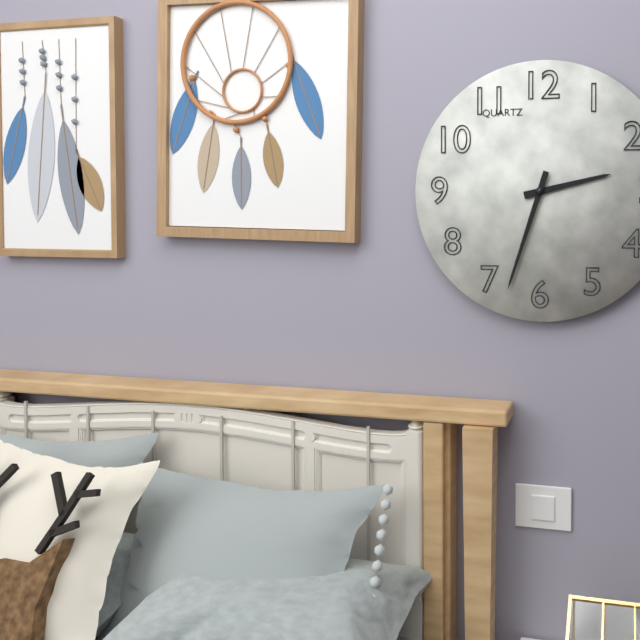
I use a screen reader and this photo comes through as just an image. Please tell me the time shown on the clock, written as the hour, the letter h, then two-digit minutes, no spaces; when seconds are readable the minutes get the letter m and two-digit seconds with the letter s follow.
2h33
